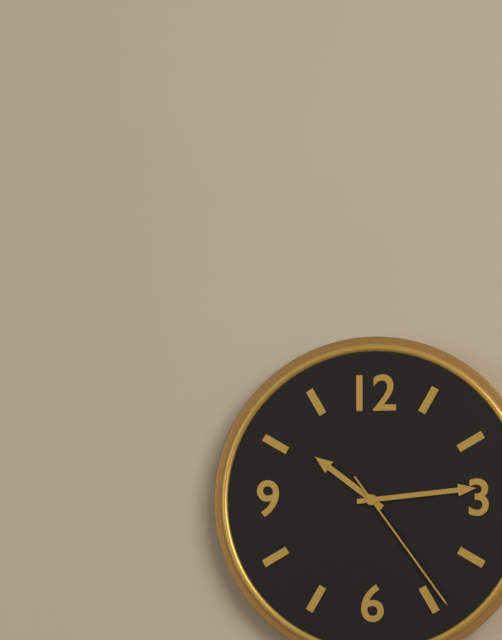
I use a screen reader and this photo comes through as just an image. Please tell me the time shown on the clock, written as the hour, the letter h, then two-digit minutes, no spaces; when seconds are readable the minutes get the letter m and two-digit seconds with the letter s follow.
10h14m24s
